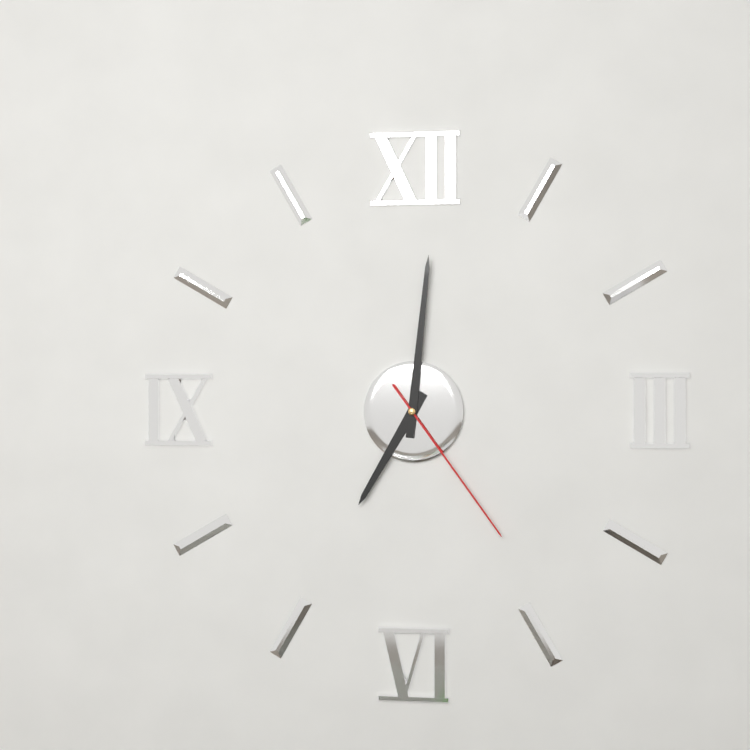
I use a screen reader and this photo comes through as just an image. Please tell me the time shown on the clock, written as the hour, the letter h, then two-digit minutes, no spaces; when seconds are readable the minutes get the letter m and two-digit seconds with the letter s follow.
7h01m24s
